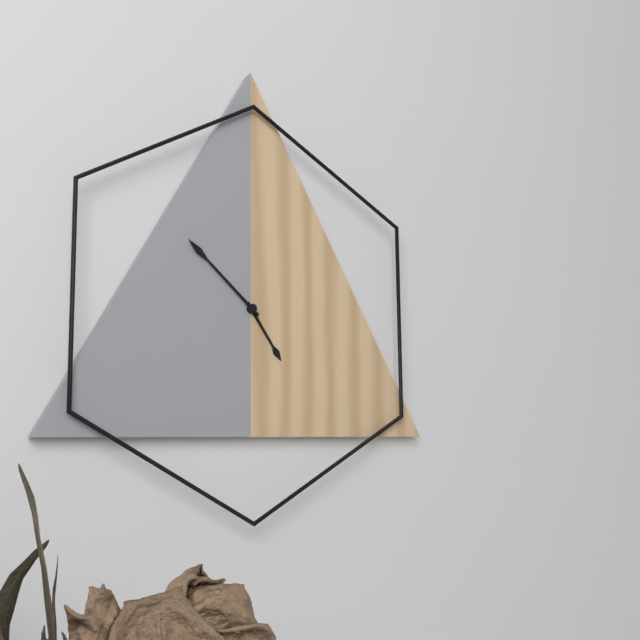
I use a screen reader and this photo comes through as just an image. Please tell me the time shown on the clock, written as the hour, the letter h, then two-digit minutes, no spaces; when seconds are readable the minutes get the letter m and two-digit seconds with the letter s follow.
4h52
